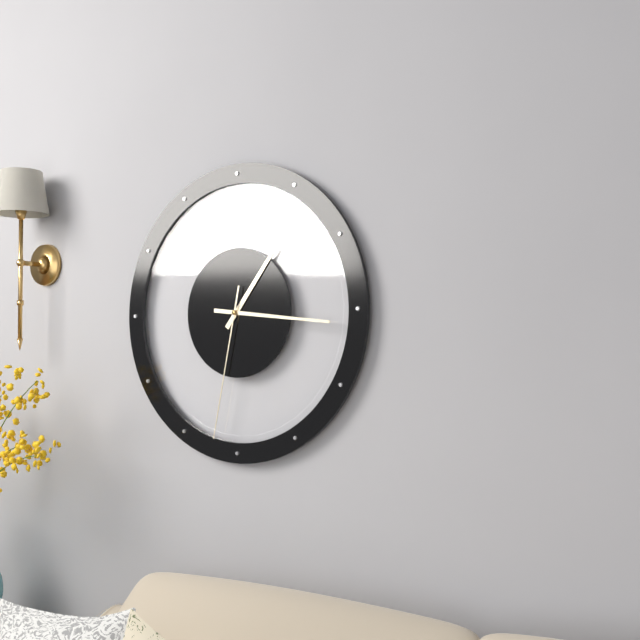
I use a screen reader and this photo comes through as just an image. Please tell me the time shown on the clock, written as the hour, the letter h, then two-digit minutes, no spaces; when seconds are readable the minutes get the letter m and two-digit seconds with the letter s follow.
1h16m32s
